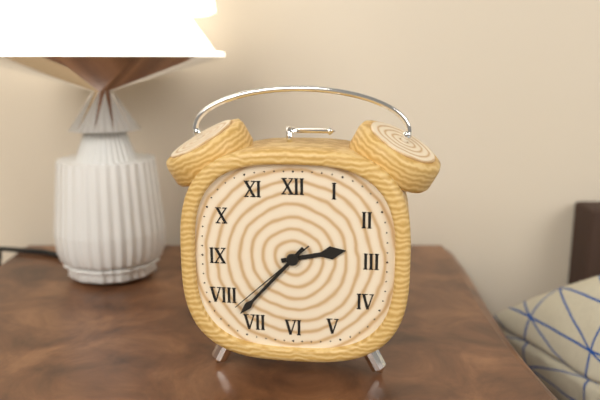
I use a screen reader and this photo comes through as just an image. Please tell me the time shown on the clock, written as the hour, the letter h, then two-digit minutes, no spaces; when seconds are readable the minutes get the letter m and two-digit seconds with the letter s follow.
2h37m38s
